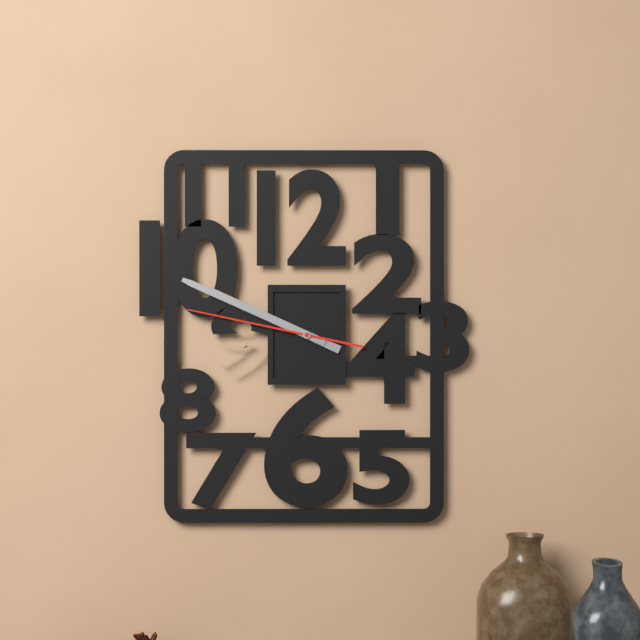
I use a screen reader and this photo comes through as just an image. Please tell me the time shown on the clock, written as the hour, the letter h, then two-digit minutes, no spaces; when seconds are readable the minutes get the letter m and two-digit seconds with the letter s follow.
9h49m47s
